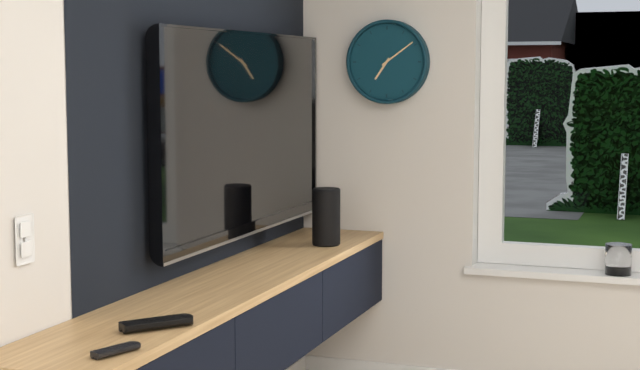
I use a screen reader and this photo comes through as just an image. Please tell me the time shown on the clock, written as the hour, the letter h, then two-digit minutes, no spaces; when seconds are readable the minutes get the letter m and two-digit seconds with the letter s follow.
7h09
